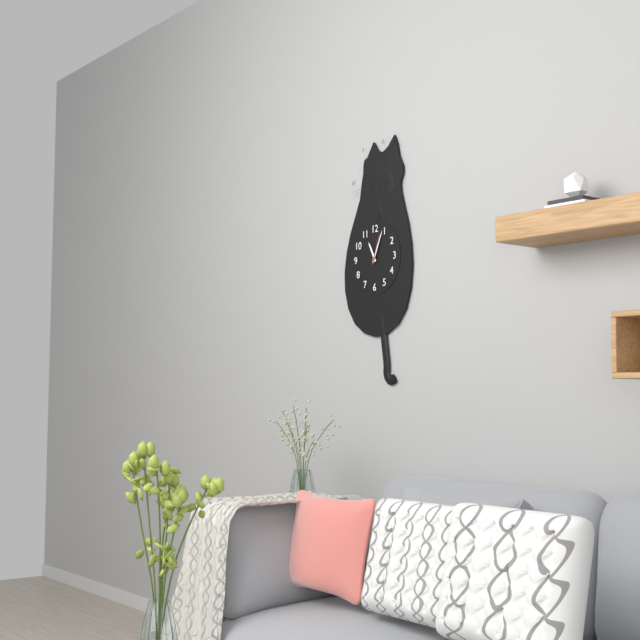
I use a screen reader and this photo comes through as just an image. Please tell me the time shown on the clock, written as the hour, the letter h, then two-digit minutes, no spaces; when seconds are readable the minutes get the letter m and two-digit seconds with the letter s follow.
11h04
